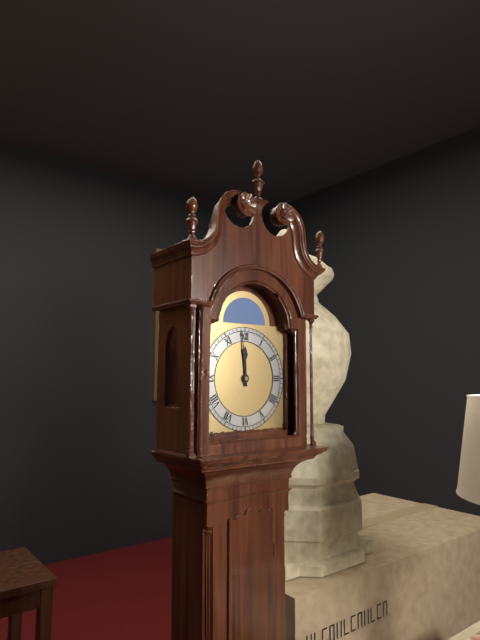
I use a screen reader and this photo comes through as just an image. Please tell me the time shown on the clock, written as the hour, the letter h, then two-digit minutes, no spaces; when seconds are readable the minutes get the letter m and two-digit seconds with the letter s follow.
11h59
